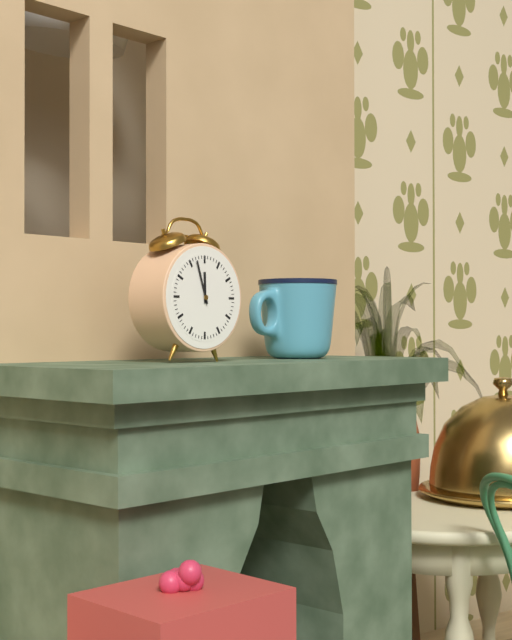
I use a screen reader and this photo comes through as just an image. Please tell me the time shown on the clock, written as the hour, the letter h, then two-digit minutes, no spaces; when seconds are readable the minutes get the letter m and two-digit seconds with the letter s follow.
11h57
